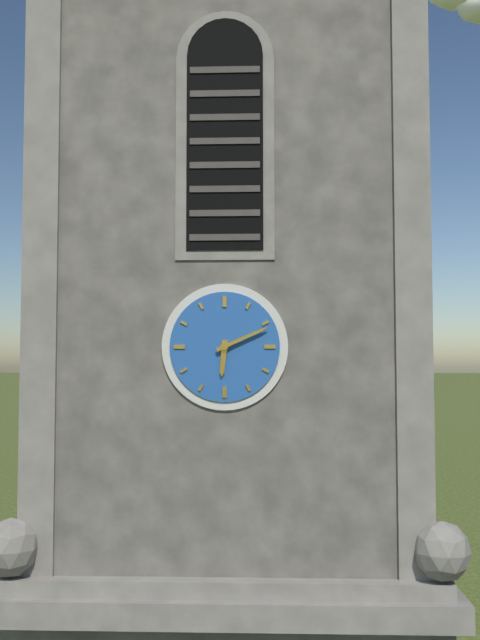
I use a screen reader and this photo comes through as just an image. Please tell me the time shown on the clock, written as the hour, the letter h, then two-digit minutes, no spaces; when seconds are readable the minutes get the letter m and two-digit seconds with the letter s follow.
6h11
